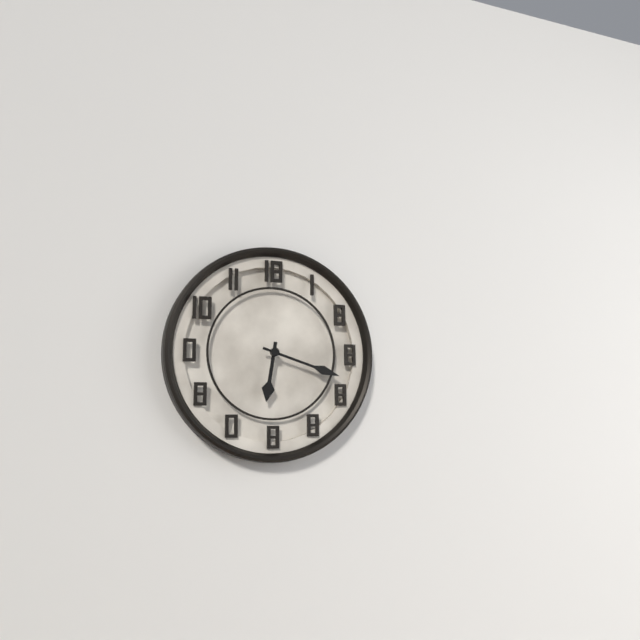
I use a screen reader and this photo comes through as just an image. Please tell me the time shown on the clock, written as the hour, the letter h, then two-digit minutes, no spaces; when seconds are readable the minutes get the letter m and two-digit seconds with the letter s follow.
6h18
